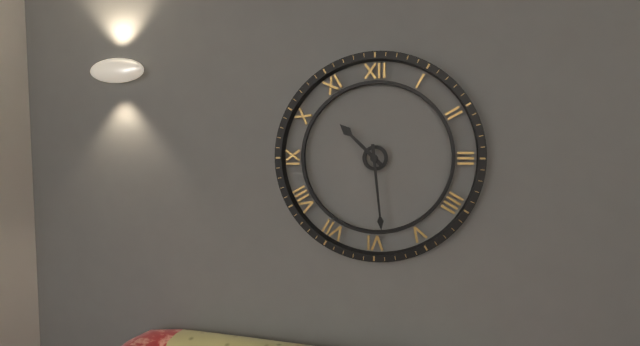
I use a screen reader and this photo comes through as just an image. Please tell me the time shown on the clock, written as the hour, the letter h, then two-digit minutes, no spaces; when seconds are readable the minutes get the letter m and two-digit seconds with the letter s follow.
10h29
